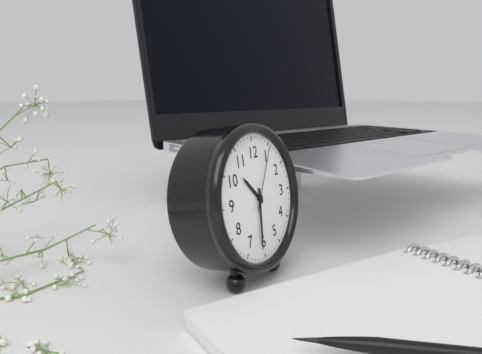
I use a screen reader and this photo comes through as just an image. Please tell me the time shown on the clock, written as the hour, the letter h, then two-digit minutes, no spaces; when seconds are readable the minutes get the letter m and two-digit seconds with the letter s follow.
10h31m05s
